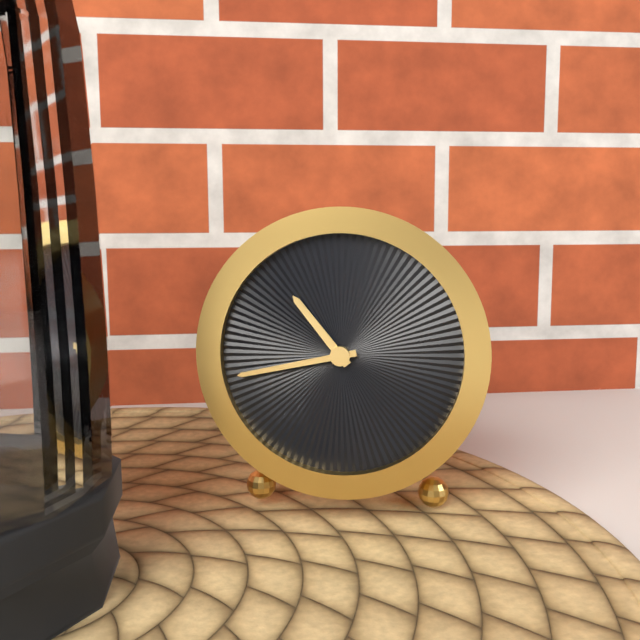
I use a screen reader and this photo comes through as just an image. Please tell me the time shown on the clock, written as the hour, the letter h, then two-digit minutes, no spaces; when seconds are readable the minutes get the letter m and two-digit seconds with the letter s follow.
10h43
